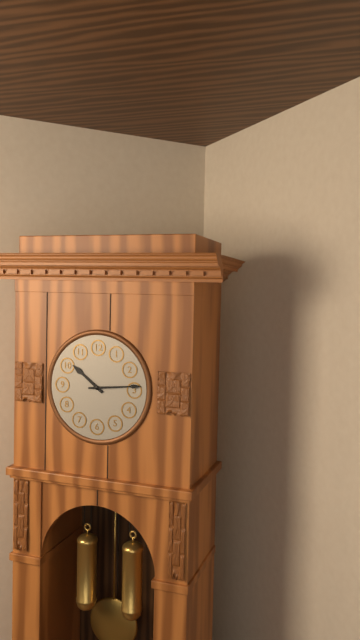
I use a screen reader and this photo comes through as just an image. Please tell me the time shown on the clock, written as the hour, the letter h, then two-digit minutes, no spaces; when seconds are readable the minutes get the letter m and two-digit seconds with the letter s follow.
10h14
